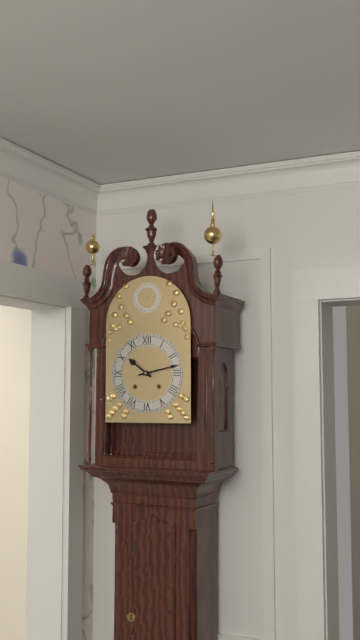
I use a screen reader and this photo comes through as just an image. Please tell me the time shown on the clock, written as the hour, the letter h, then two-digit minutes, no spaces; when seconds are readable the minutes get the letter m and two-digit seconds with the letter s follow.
10h13
